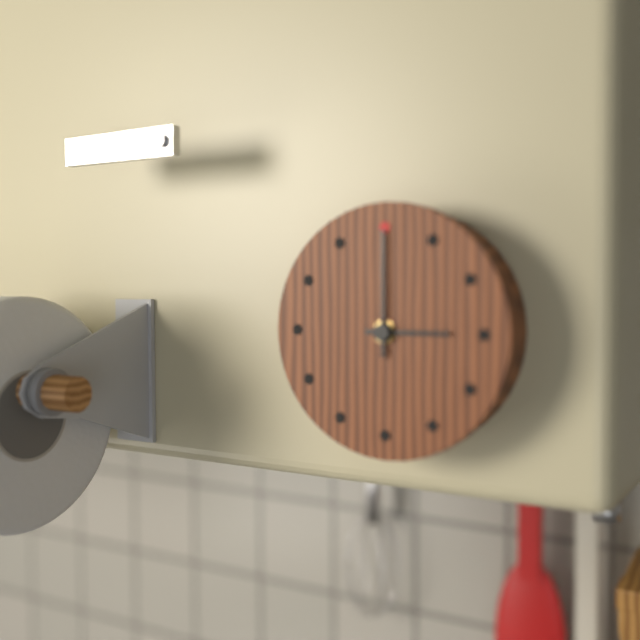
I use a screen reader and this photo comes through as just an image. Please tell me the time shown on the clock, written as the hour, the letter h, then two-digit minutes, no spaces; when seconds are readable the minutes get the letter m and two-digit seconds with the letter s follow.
3h00
